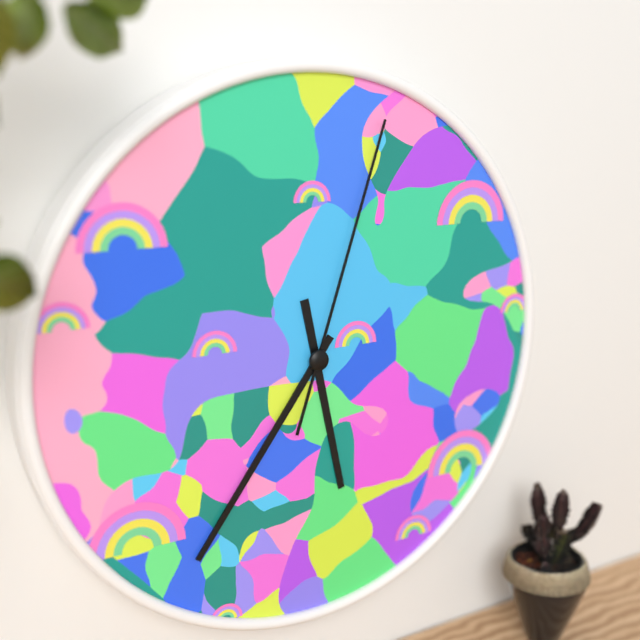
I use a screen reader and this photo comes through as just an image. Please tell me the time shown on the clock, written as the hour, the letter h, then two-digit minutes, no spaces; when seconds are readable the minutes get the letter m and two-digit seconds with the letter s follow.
5h36m03s
